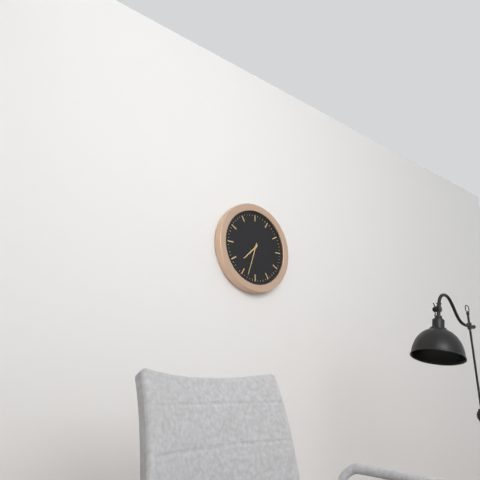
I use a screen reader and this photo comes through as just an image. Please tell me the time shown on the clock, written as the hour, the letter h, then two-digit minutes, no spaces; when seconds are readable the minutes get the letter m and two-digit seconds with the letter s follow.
7h33
